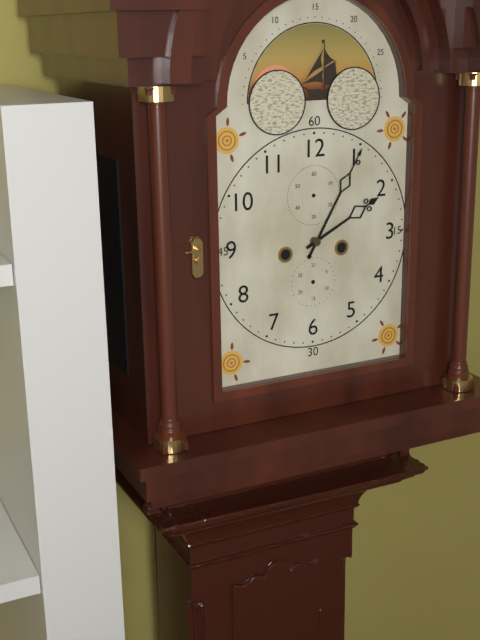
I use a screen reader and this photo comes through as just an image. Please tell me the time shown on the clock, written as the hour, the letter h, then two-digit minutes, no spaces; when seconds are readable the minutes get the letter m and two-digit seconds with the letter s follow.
2h05
